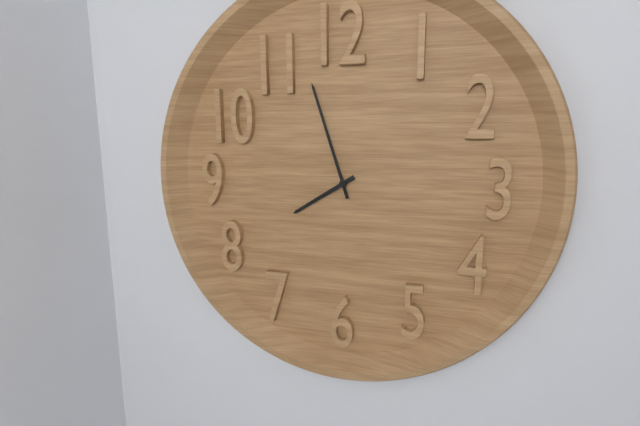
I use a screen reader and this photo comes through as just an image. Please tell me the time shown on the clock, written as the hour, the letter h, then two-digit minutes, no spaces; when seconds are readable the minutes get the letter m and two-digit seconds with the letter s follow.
7h57
